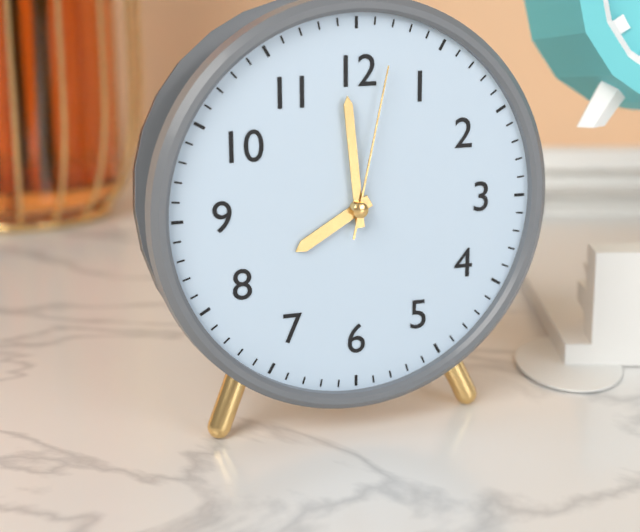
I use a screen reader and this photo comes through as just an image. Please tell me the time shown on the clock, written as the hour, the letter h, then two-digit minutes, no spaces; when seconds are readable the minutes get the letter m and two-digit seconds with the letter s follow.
7h59m02s
